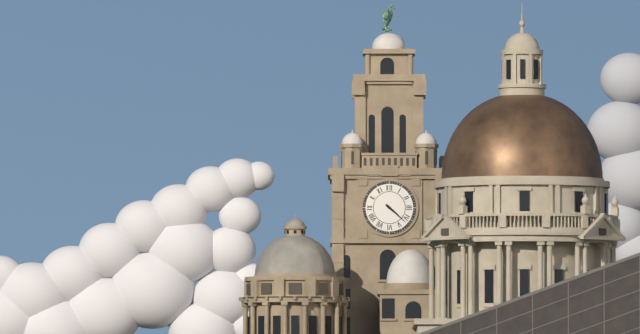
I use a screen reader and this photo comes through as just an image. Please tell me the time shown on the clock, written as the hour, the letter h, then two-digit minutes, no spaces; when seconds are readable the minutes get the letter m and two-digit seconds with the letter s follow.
4h22
